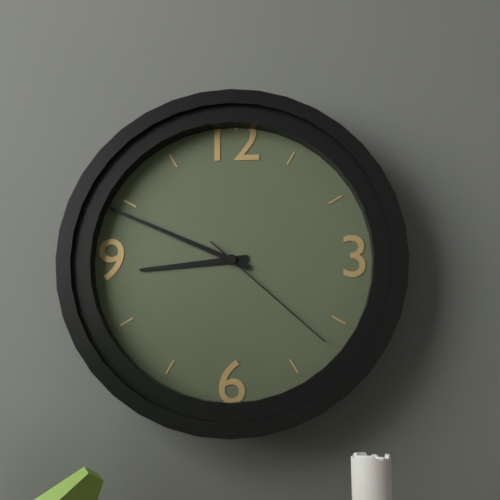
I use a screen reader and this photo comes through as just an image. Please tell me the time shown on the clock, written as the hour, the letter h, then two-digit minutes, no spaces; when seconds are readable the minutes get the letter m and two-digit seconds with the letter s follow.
8h49m22s
